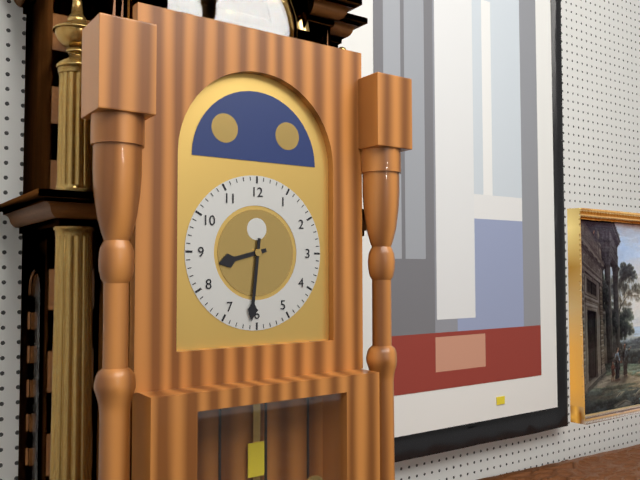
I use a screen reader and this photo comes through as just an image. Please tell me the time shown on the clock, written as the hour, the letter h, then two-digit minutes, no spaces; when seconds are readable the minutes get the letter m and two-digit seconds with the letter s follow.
8h31
